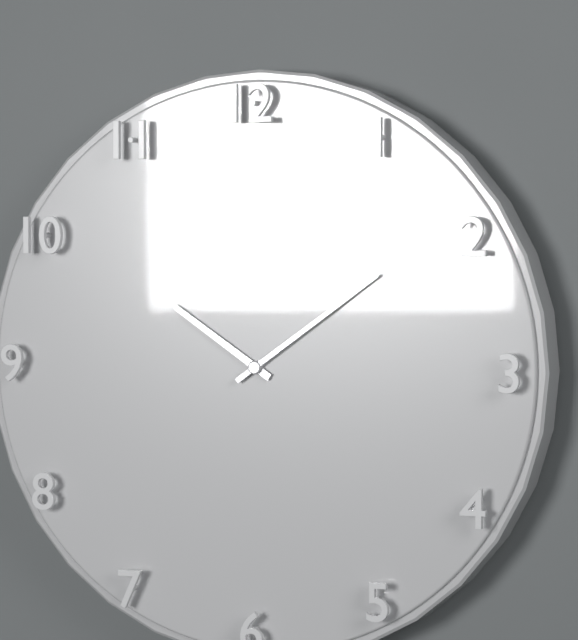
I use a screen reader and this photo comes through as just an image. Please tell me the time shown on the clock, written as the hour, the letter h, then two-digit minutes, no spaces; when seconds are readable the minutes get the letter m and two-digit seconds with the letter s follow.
10h09
